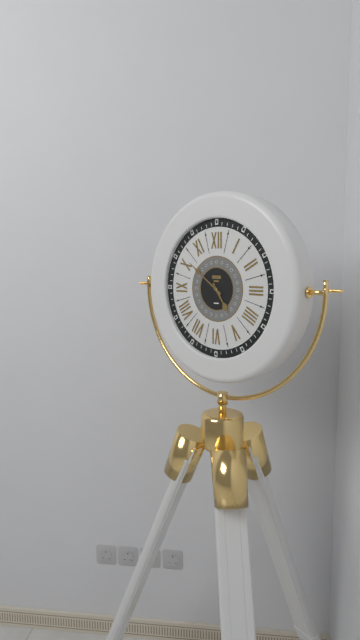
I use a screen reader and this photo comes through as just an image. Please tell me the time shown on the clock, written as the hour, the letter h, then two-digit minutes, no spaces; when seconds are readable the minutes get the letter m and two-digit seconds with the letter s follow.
4h51
